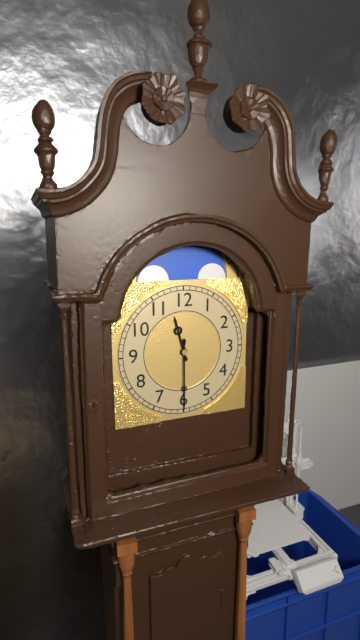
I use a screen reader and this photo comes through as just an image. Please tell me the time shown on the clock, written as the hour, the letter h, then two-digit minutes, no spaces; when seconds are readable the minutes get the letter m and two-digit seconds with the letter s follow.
11h30
